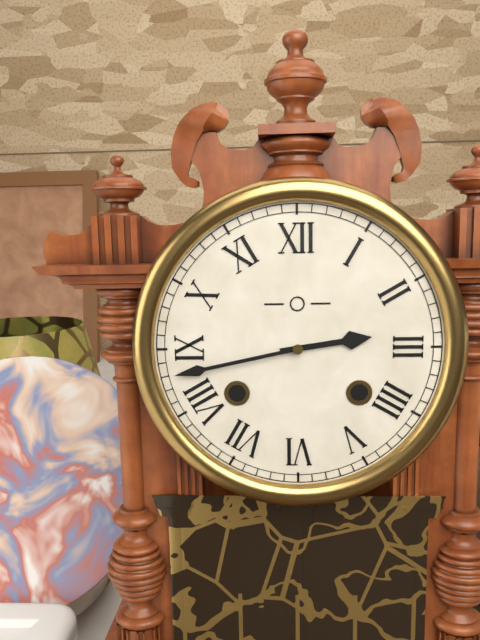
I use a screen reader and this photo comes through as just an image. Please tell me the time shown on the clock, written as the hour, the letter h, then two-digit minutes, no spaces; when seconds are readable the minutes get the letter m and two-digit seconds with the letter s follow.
2h43
